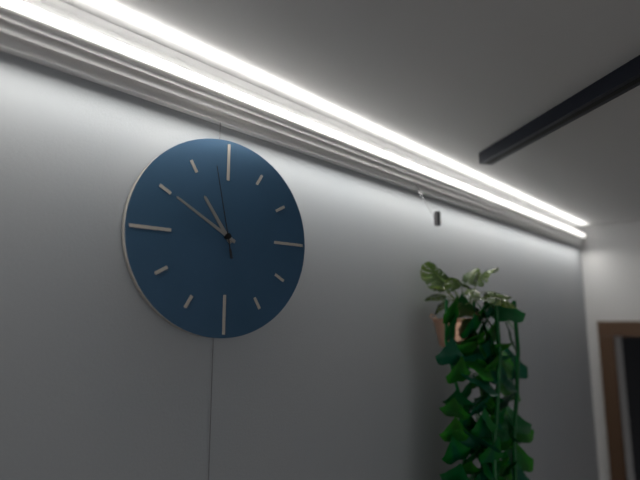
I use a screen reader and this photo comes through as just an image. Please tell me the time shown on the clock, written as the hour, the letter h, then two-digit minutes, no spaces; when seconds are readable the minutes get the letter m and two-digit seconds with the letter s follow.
10h50m58s
